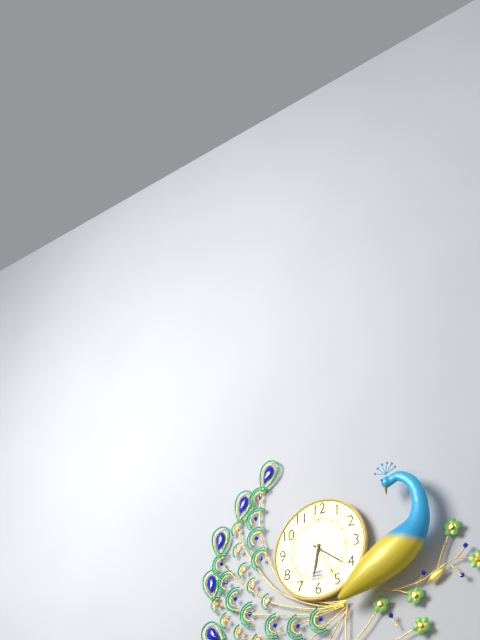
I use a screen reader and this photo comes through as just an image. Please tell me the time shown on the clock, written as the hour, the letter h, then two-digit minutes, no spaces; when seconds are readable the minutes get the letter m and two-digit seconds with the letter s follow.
6h21
